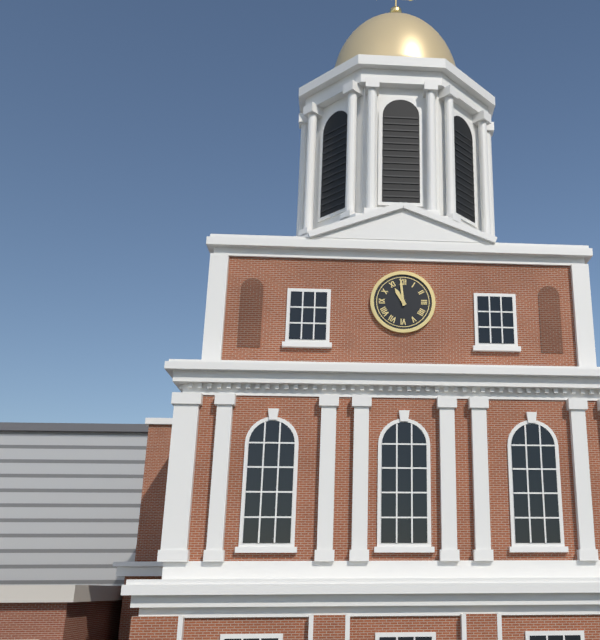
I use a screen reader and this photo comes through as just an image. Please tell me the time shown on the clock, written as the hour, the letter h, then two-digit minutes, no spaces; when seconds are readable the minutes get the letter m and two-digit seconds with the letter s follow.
10h59
